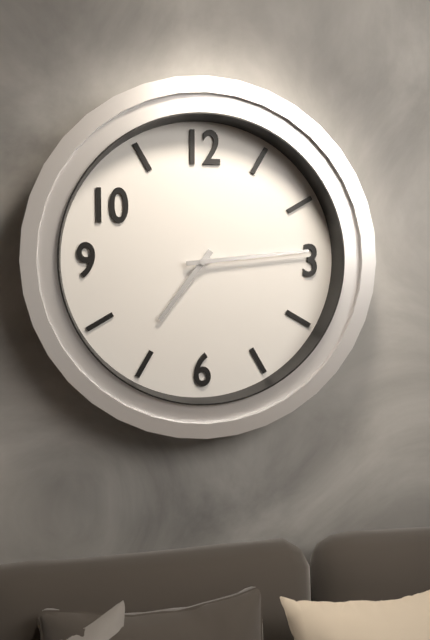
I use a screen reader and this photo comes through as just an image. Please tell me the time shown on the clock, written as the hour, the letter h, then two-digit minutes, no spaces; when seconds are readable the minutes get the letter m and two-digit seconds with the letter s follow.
7h14
